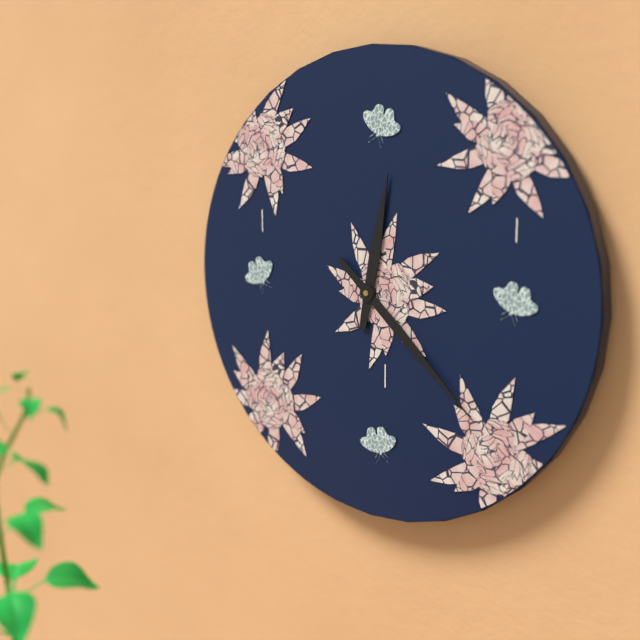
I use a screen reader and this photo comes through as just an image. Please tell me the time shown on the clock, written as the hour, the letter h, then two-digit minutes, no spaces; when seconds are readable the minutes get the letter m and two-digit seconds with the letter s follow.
12h22
